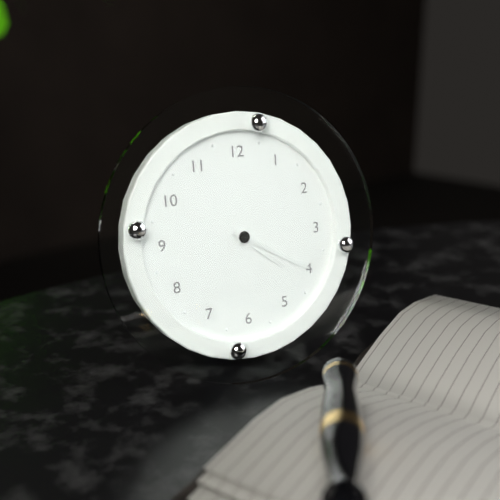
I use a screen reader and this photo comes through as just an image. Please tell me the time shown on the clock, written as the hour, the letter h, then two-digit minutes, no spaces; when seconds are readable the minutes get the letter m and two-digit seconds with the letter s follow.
4h20
